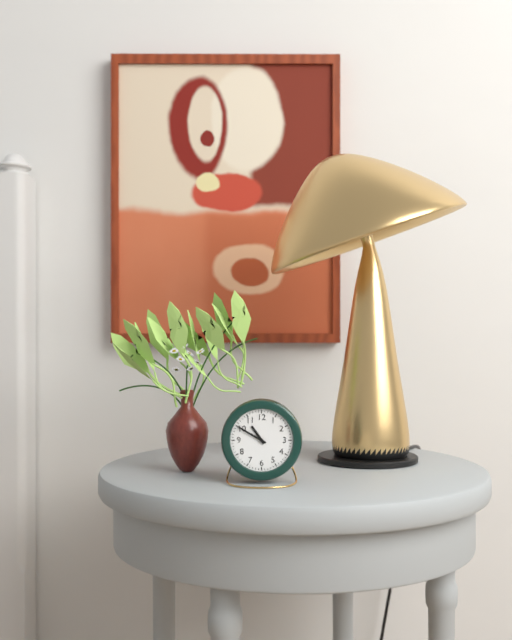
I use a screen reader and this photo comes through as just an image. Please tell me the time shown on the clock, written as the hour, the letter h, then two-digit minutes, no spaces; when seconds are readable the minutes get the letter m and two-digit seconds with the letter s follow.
10h50
